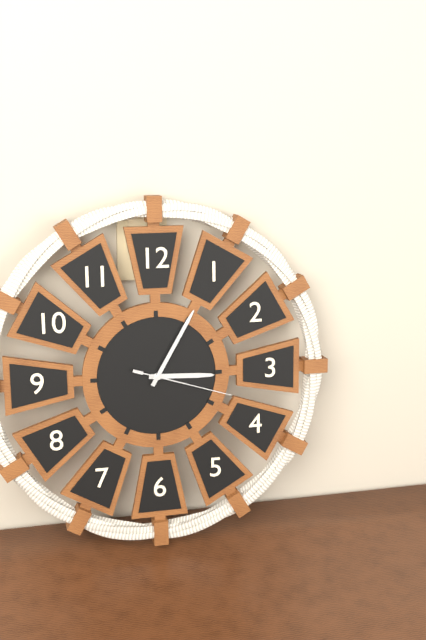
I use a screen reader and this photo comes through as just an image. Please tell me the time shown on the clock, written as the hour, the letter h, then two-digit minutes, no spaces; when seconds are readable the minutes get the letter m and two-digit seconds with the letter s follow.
3h05m18s
